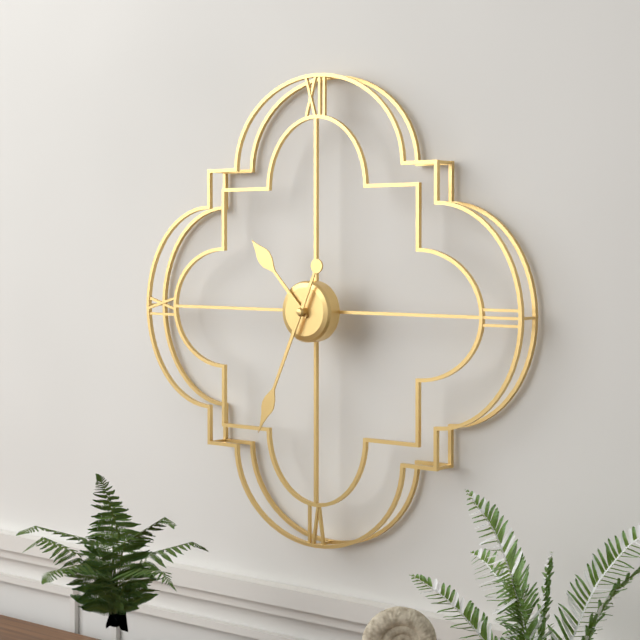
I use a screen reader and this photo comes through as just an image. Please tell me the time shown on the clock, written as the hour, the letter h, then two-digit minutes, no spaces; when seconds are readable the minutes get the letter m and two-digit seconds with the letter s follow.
10h34
